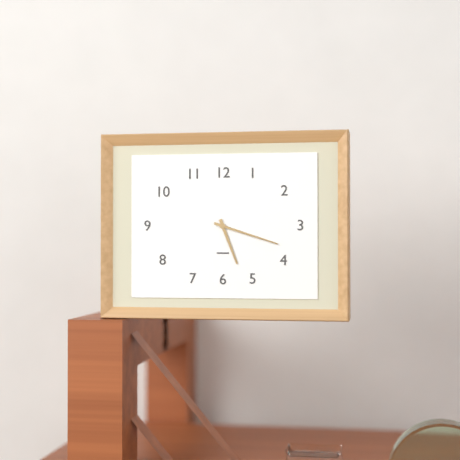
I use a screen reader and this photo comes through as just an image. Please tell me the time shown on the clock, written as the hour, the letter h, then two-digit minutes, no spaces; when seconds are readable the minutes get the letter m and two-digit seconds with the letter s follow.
5h18
